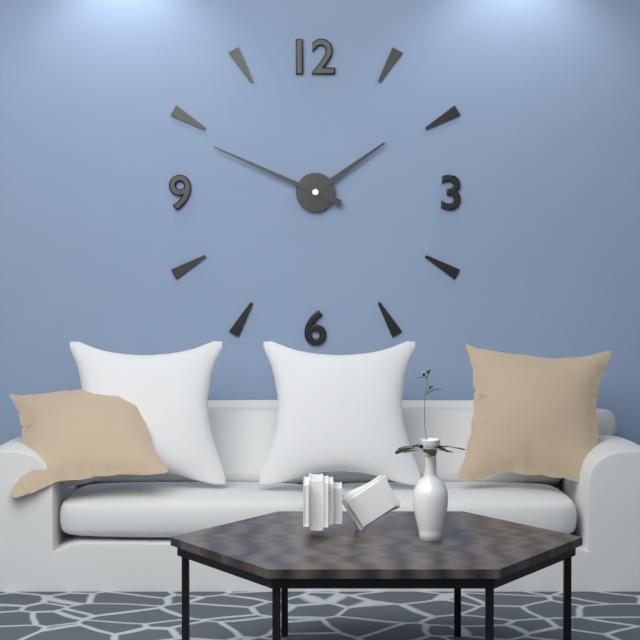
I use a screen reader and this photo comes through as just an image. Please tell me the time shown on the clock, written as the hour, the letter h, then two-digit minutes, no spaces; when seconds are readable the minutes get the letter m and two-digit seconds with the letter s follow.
1h49
